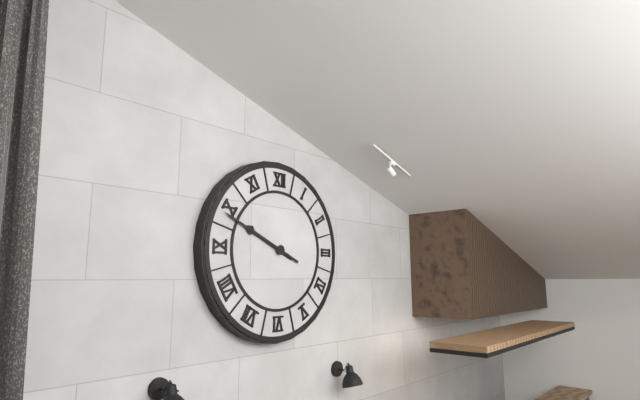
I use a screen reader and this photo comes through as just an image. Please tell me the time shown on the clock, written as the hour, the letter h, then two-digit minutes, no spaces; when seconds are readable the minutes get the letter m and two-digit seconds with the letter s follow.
9h49
